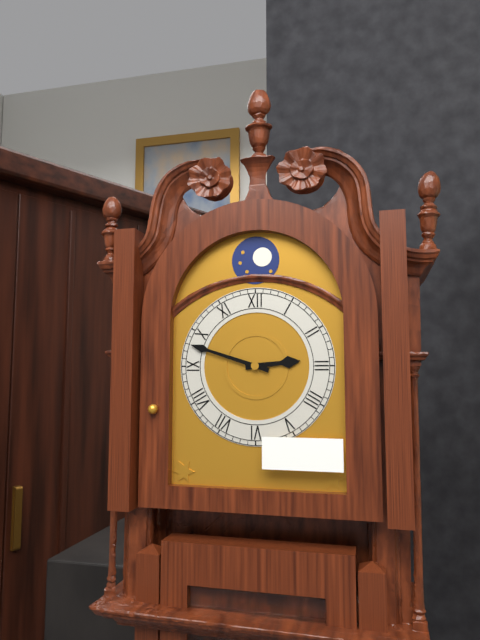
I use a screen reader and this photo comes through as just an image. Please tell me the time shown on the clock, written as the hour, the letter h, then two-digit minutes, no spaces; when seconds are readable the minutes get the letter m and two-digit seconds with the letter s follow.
2h48
